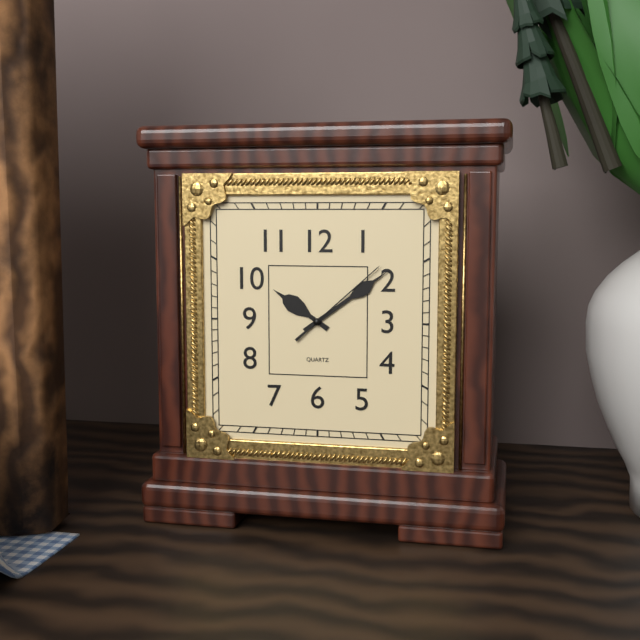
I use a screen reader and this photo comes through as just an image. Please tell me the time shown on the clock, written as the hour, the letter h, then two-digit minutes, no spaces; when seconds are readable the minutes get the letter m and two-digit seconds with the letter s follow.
10h09m08s
